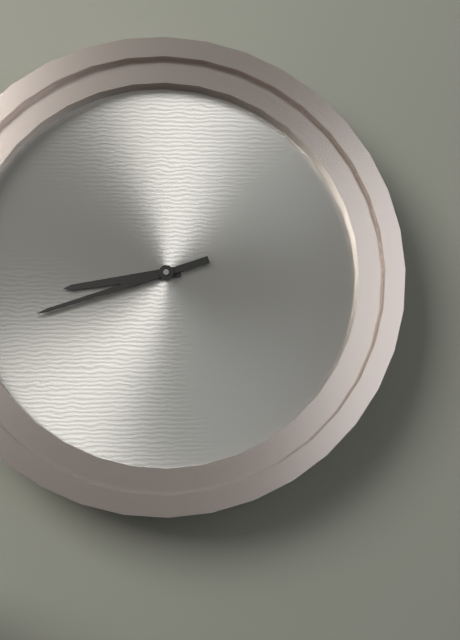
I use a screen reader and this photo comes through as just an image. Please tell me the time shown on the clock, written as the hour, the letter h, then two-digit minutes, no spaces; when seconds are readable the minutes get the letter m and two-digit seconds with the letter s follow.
8h42
